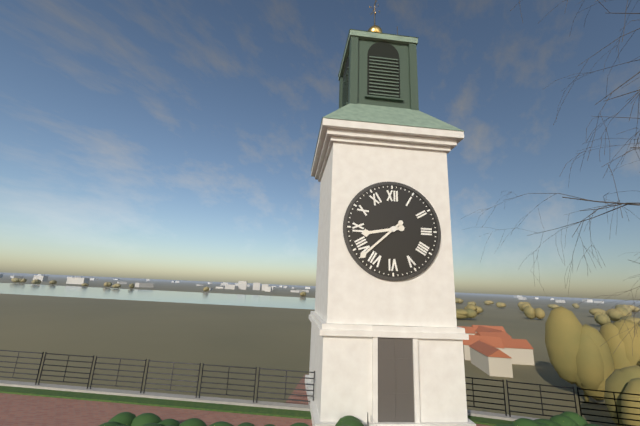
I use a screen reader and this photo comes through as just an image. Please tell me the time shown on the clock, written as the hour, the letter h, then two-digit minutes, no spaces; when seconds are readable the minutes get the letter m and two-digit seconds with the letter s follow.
8h38
